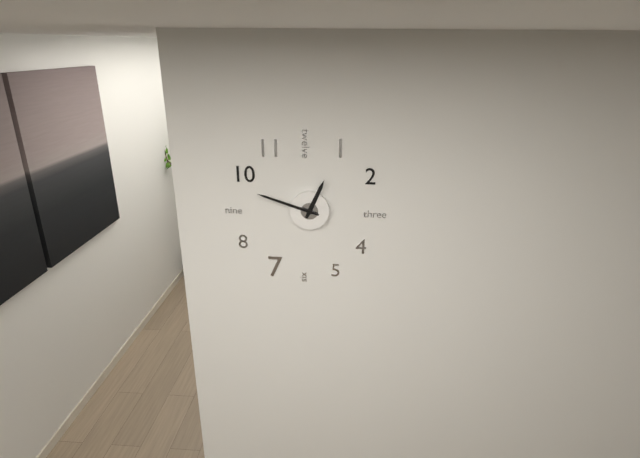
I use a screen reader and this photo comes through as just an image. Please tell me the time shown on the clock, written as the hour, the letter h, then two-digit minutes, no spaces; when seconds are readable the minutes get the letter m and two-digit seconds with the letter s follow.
12h48
